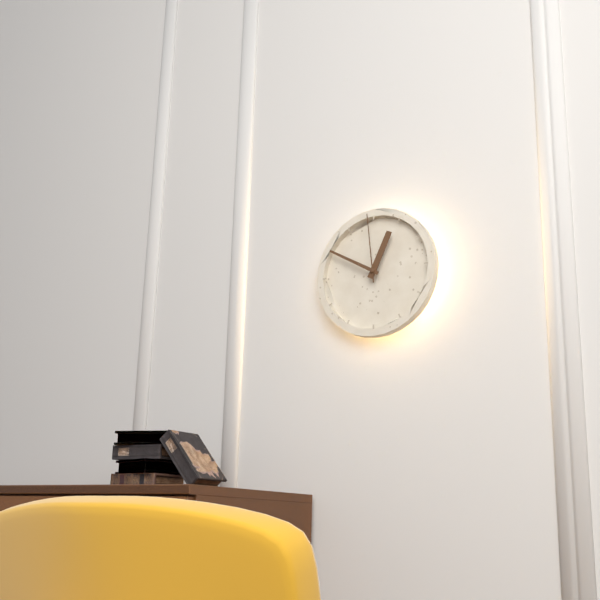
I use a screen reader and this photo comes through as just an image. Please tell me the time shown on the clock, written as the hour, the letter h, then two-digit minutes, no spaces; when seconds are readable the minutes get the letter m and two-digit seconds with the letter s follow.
12h50m59s
